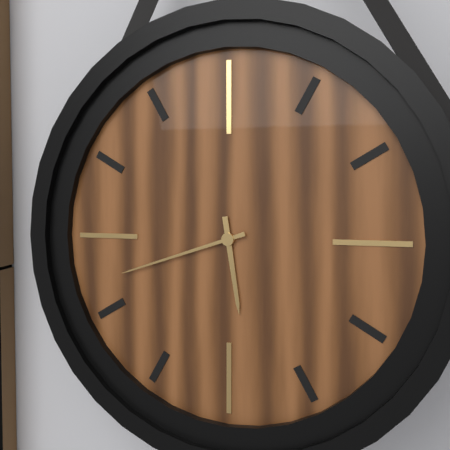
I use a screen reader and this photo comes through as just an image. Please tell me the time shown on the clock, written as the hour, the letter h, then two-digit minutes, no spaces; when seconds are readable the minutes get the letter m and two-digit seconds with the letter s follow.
5h42
